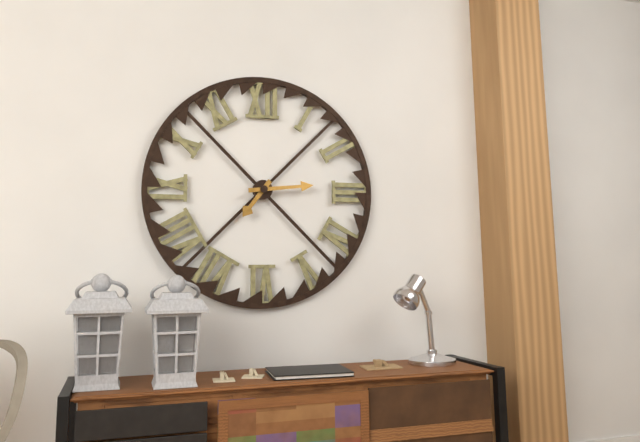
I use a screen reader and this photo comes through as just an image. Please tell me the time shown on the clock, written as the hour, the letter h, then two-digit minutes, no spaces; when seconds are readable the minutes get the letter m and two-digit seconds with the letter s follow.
7h14
